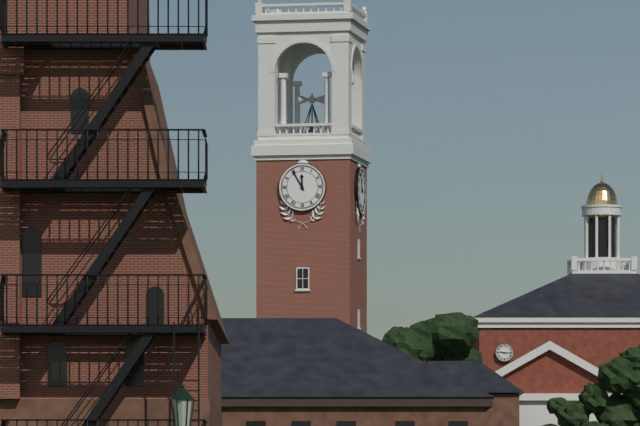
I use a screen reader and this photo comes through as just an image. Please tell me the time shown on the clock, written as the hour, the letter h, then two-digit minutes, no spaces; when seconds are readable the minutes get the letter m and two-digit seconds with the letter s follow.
11h55
